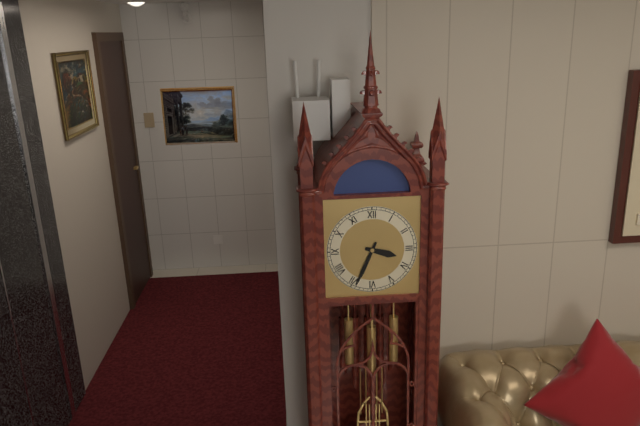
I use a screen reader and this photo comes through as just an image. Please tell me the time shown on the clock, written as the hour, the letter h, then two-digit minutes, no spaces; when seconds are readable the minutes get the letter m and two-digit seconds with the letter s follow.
3h34
